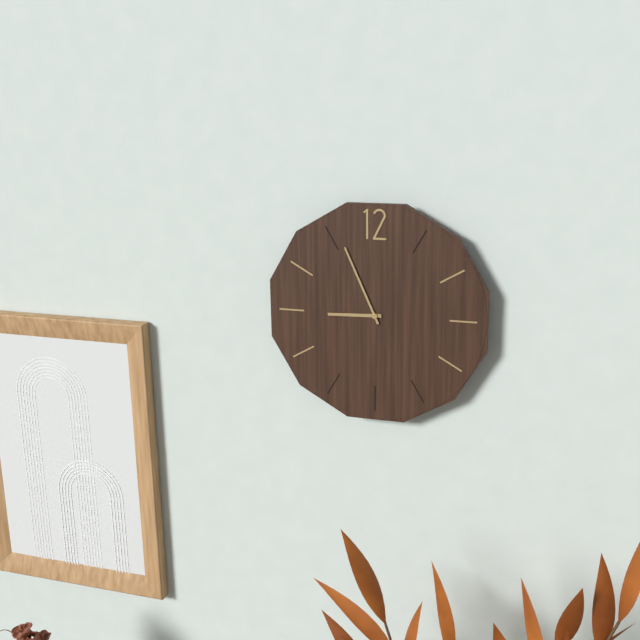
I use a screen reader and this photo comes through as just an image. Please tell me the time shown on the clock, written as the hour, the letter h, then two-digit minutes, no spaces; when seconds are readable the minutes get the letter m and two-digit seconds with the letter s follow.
8h56
